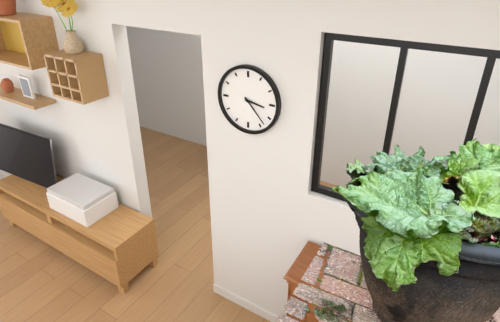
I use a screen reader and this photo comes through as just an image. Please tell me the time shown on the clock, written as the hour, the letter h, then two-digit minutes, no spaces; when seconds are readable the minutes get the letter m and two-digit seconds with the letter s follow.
3h23
